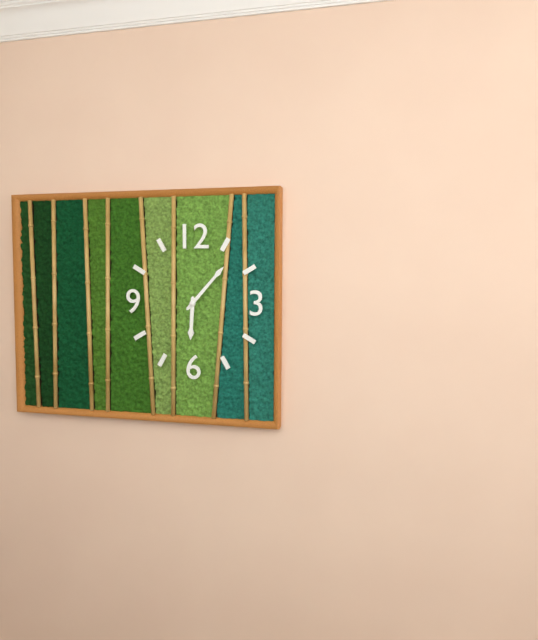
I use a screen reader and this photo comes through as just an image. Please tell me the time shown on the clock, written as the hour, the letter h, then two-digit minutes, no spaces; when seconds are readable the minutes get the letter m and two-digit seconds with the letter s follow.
6h07
